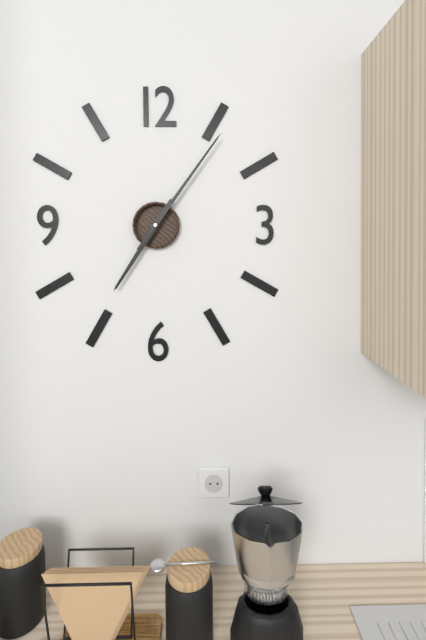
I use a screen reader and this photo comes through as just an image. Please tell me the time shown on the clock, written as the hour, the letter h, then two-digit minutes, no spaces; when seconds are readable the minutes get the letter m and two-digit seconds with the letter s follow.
7h06
